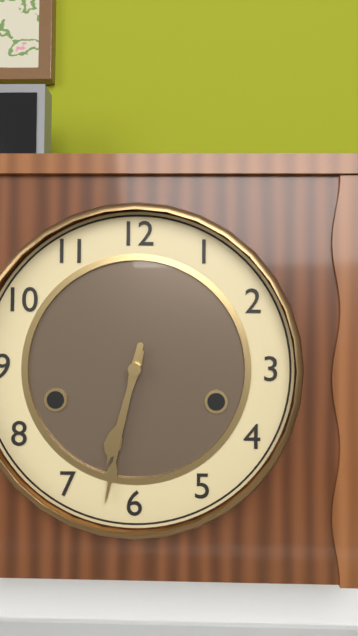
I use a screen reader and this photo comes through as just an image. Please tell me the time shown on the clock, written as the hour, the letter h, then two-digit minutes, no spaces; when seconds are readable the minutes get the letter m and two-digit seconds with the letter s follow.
6h32
